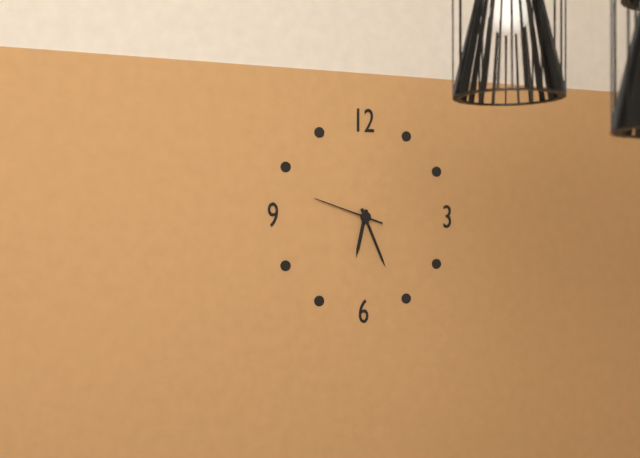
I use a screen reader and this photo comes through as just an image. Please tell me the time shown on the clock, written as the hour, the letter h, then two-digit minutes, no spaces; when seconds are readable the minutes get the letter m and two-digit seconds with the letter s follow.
6h26m48s
